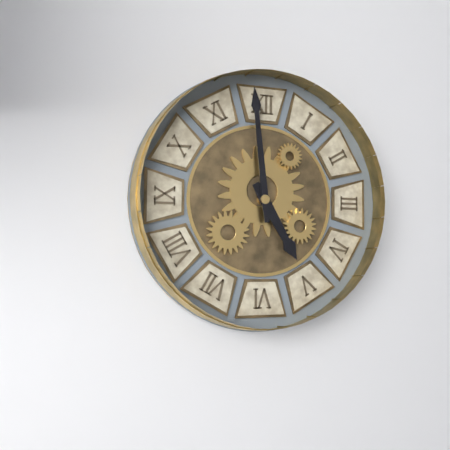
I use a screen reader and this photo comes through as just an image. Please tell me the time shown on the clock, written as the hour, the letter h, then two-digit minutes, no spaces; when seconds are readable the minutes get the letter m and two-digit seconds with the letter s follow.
4h59
